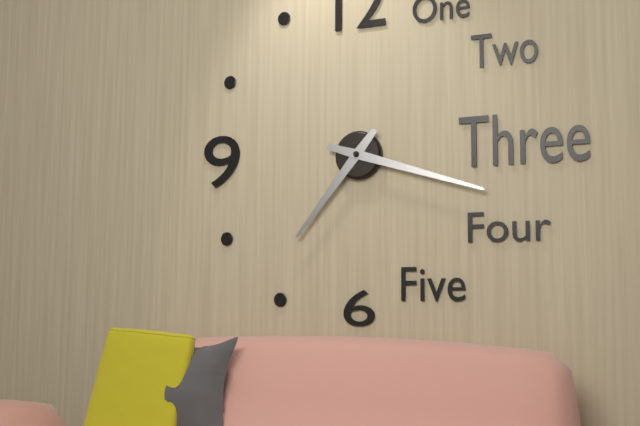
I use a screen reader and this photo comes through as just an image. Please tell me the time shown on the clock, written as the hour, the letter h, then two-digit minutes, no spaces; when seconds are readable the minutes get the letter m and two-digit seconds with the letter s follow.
7h18
